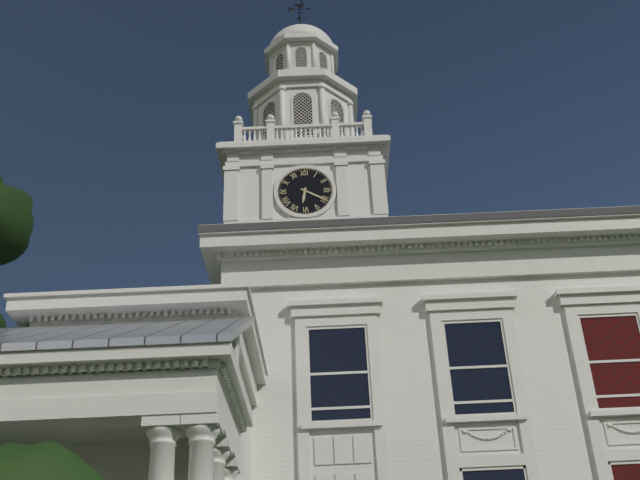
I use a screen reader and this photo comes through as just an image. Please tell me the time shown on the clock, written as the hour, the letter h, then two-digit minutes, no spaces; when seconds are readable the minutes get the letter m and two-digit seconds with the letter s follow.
6h20
